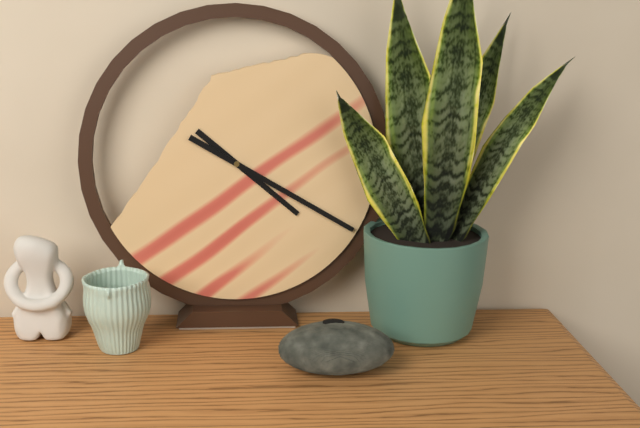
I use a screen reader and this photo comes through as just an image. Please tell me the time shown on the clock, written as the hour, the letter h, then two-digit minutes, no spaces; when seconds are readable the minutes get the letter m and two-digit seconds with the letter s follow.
4h20
